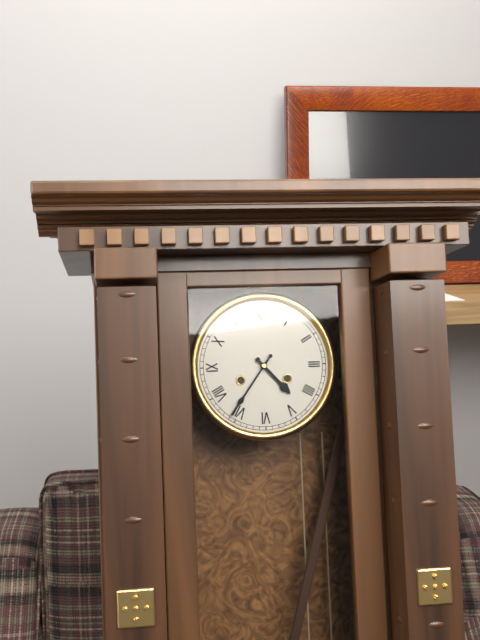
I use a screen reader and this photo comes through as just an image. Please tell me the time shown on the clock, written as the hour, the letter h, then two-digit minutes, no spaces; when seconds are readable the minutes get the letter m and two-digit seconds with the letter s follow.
4h36
